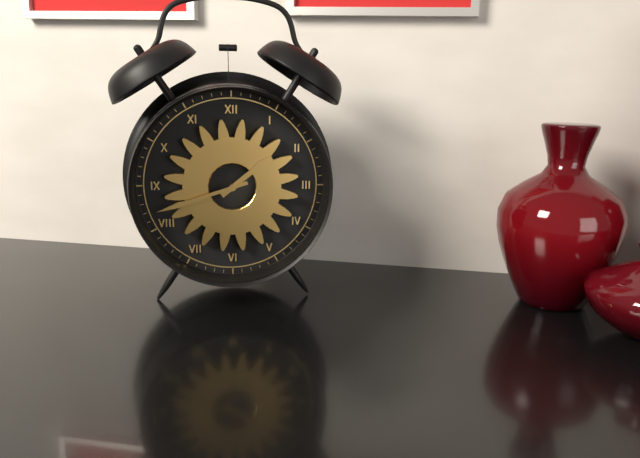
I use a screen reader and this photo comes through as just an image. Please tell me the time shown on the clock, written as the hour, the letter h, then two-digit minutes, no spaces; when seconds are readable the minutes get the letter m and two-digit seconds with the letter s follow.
1h42
